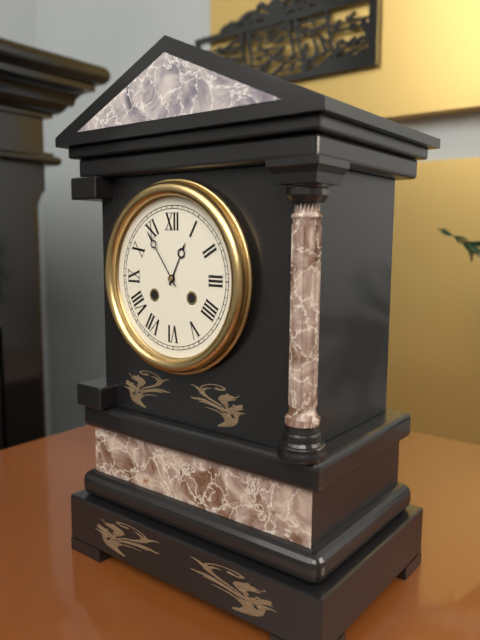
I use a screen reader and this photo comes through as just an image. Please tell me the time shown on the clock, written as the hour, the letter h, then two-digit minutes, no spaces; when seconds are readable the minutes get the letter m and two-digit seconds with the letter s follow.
12h54
